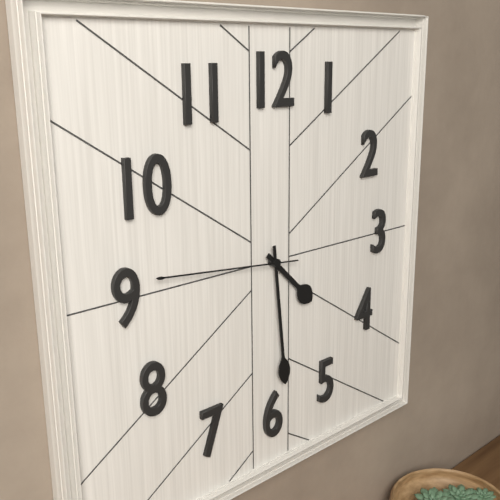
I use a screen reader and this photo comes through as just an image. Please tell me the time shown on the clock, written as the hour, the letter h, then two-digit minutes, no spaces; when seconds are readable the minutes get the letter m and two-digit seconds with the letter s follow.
4h29m46s
